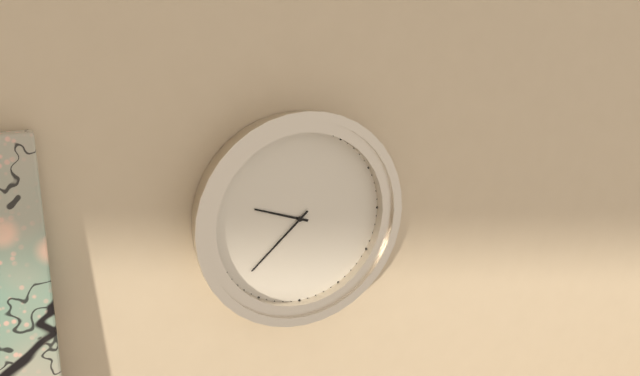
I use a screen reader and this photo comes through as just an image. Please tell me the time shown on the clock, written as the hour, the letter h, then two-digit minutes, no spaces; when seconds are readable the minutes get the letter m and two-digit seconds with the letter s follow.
9h38
